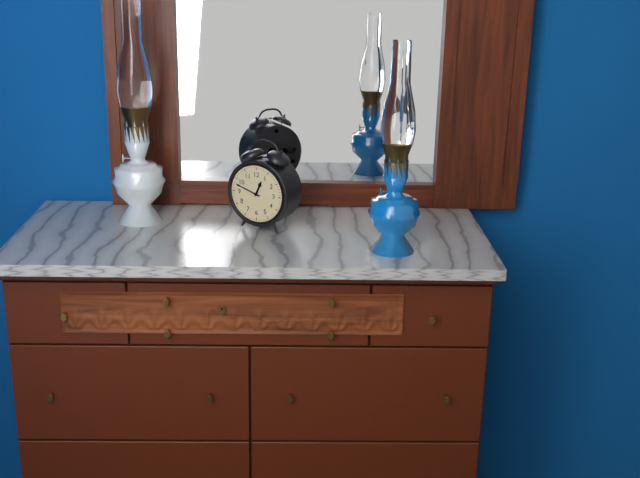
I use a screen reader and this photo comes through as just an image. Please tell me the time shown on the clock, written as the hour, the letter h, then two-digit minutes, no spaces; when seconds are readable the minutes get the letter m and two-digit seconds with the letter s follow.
12h48
